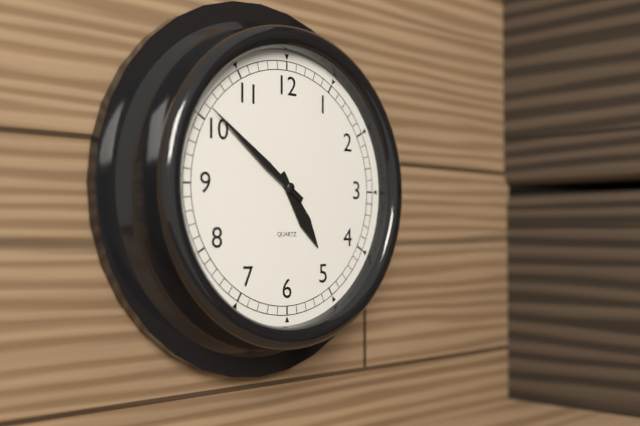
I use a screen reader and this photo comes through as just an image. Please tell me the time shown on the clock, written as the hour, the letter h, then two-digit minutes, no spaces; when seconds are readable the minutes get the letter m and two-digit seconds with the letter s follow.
4h51
